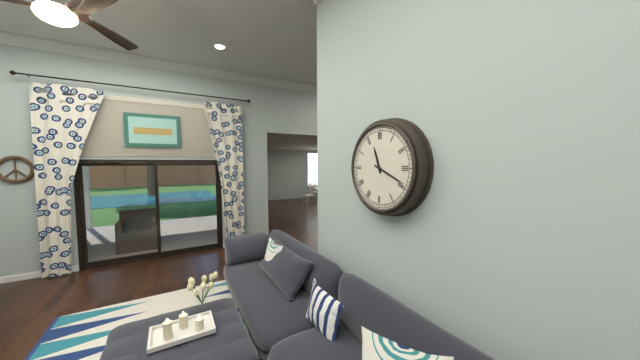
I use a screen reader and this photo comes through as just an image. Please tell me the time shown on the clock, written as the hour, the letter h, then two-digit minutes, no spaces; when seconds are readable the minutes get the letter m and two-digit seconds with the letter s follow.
11h19
